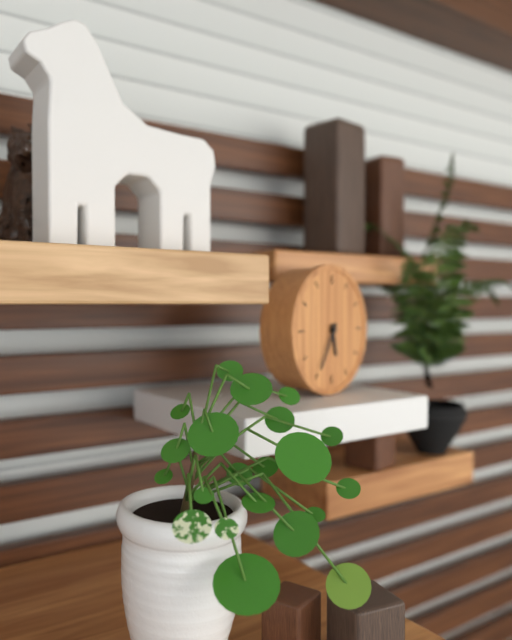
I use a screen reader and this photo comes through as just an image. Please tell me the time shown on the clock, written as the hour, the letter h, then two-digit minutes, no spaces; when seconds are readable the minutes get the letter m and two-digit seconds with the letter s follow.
5h35
